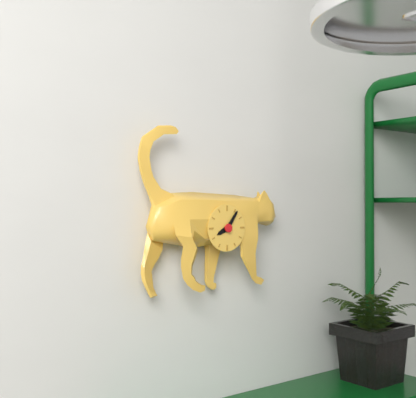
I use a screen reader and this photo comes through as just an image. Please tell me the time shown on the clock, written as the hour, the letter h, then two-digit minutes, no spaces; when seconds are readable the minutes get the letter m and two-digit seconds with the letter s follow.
8h06
